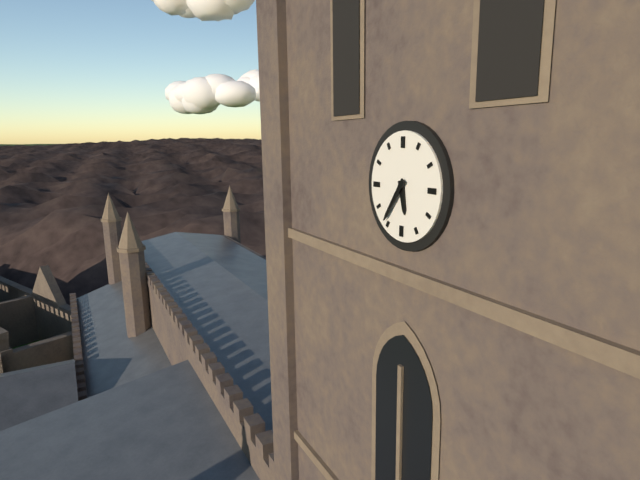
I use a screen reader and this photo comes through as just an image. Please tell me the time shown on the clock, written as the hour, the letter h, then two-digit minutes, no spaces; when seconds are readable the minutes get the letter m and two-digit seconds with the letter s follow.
5h36
